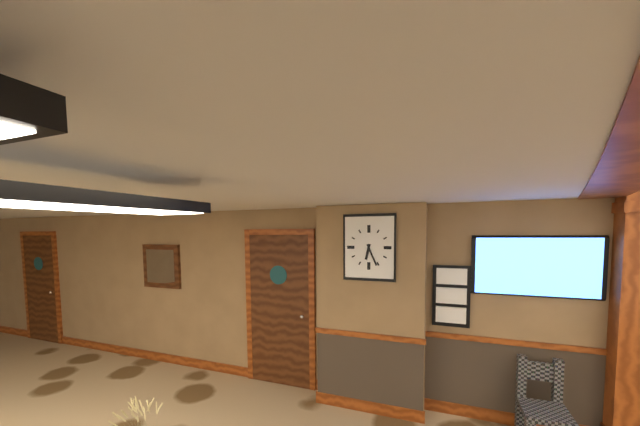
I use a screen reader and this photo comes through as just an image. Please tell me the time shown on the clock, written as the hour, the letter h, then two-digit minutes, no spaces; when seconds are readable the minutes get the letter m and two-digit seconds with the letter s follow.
6h26
